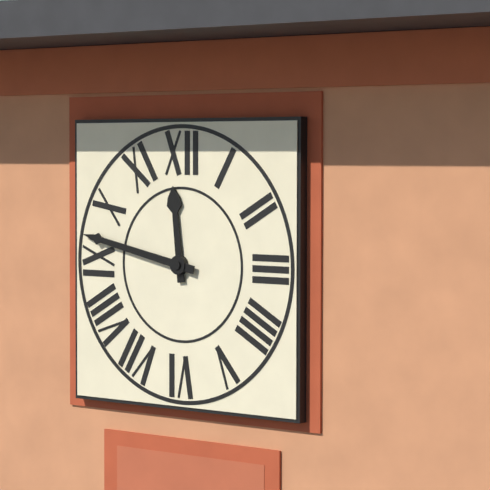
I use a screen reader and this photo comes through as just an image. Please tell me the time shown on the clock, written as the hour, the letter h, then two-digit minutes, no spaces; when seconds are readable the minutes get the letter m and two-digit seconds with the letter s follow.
11h47
